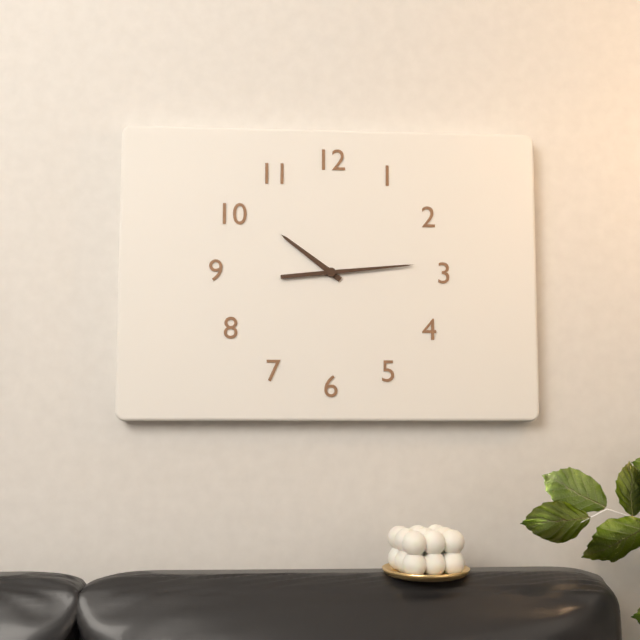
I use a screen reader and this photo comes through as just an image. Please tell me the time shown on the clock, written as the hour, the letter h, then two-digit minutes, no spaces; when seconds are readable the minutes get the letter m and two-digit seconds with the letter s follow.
10h14
